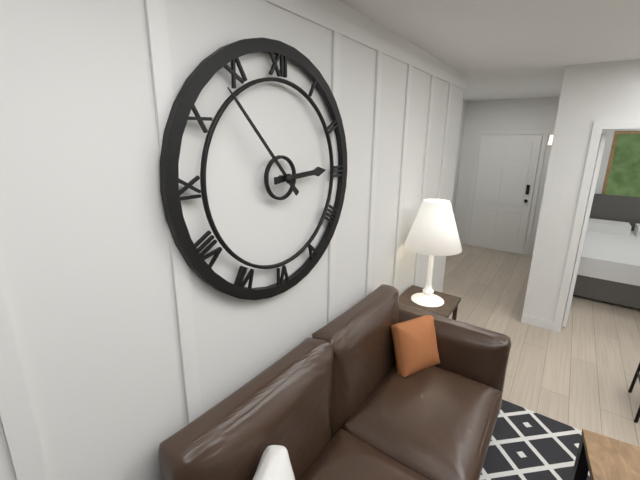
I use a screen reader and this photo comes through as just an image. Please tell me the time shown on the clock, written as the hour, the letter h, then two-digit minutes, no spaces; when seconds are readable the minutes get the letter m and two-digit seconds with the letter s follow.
2h53
